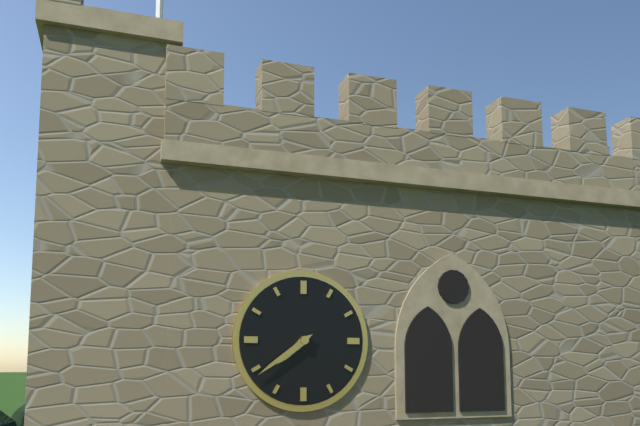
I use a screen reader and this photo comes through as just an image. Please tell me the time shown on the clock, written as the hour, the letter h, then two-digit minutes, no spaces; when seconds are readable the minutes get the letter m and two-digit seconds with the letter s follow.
7h39
